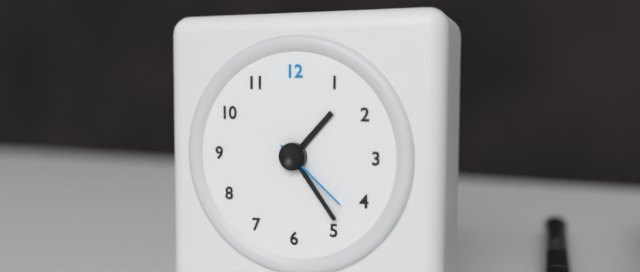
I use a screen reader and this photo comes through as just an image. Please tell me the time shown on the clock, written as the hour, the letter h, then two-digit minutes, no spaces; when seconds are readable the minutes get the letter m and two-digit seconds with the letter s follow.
1h24m22s
